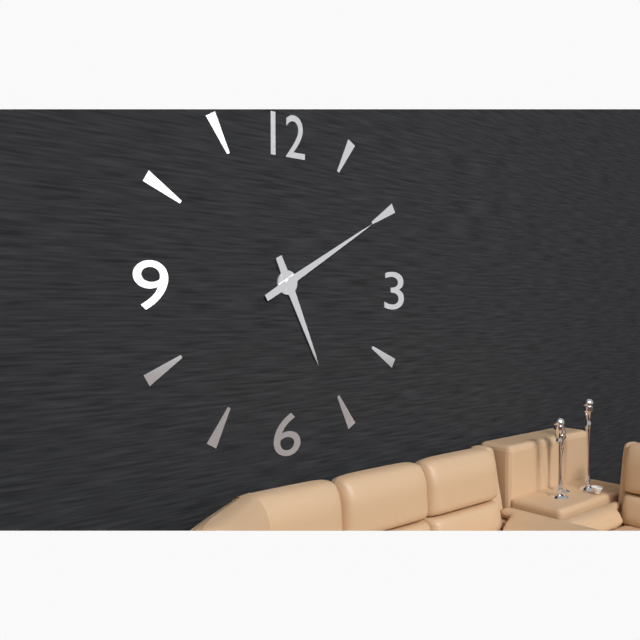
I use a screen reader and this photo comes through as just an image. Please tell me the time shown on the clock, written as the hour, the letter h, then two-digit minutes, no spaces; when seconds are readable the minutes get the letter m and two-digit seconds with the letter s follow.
5h10
